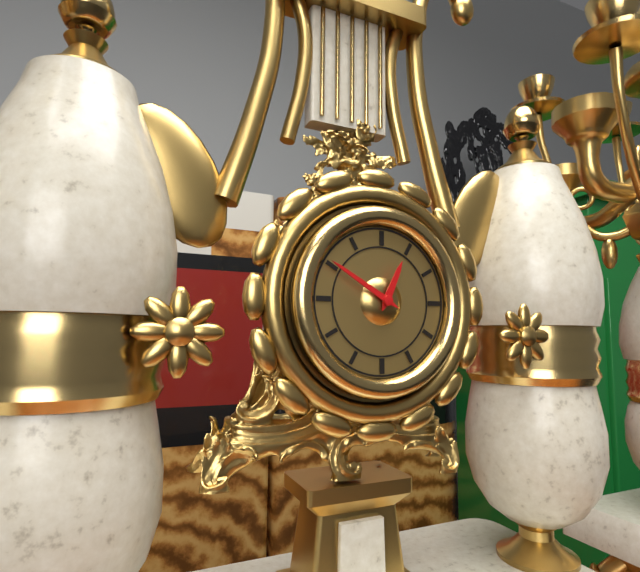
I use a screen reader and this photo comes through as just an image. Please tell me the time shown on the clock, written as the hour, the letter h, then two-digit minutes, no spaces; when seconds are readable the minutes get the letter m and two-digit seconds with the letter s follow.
12h50
